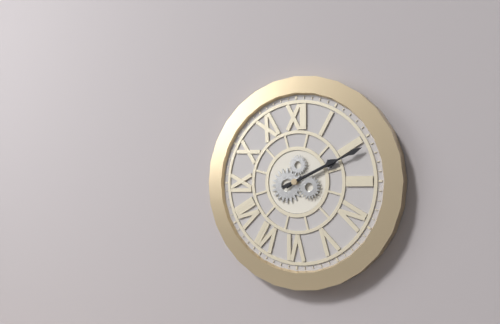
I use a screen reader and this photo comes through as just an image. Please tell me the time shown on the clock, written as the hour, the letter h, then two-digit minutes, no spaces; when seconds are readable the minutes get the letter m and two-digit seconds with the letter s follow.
2h11
